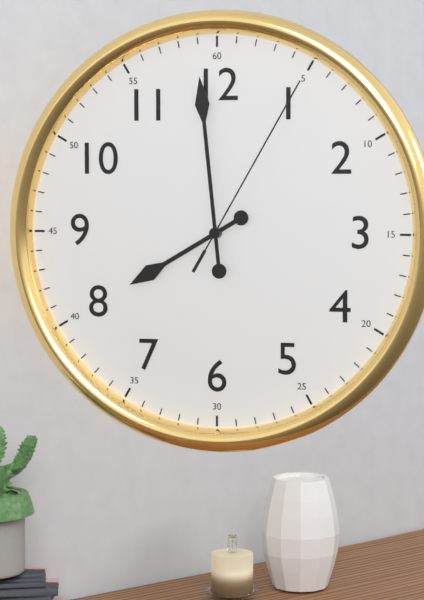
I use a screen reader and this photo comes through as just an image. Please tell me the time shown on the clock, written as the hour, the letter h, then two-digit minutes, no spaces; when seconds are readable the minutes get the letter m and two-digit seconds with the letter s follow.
7h59m05s
